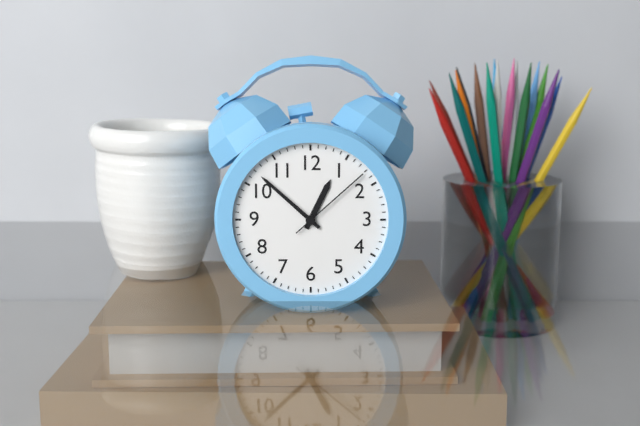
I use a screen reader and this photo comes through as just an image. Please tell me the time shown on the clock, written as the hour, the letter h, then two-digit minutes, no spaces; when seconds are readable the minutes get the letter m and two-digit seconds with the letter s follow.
12h52m08s
